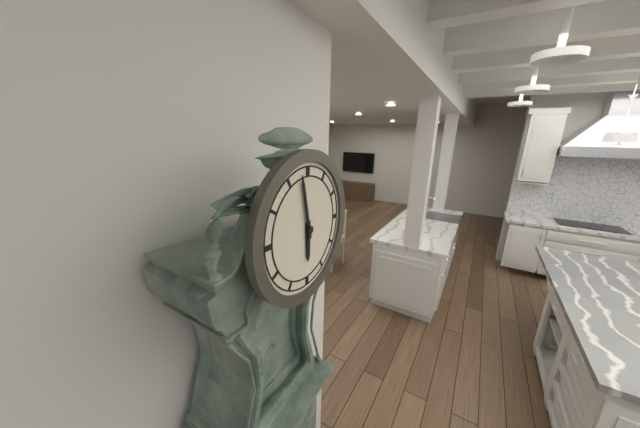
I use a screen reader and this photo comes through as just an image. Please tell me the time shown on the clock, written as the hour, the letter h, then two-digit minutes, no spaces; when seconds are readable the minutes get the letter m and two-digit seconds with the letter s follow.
5h58
